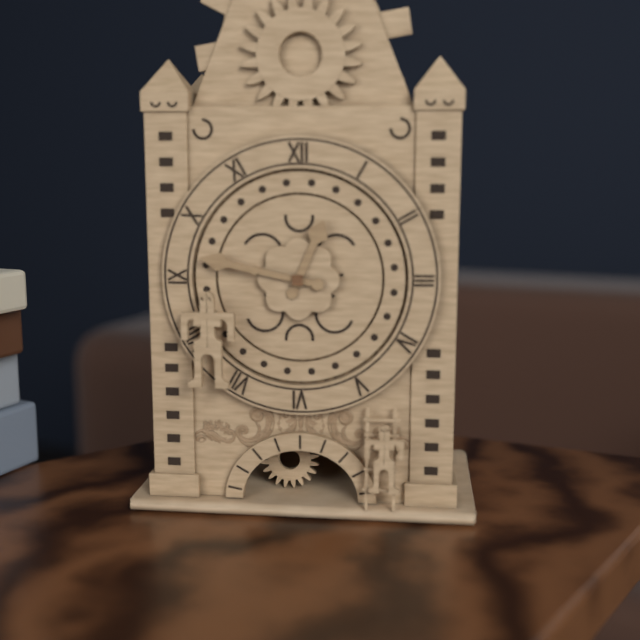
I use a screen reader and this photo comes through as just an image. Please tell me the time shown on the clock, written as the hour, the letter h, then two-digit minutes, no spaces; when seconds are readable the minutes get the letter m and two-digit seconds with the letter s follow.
12h47
